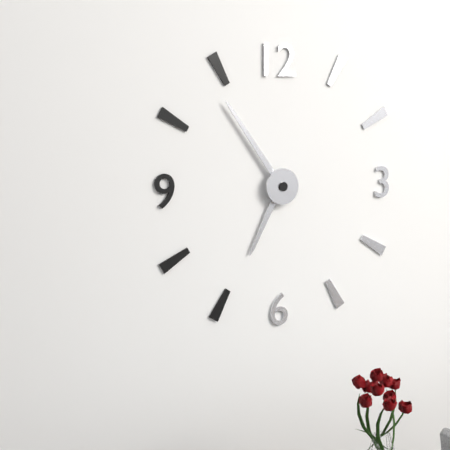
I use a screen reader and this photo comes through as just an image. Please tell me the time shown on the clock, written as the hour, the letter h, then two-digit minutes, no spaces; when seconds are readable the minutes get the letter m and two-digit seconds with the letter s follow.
6h54
